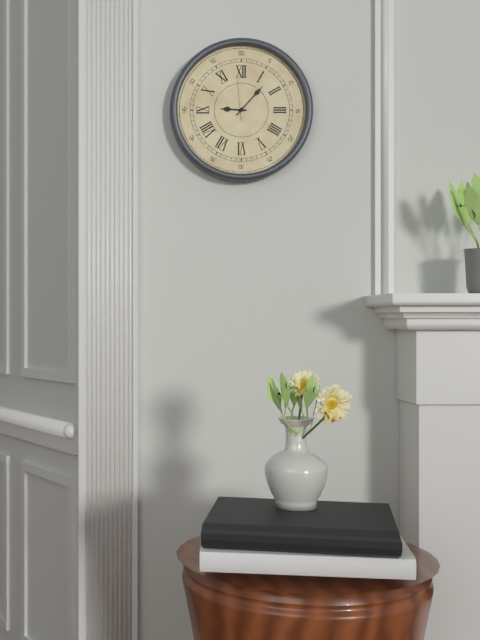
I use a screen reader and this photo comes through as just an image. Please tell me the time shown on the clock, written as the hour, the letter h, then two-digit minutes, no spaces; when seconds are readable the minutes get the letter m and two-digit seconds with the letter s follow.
9h07
